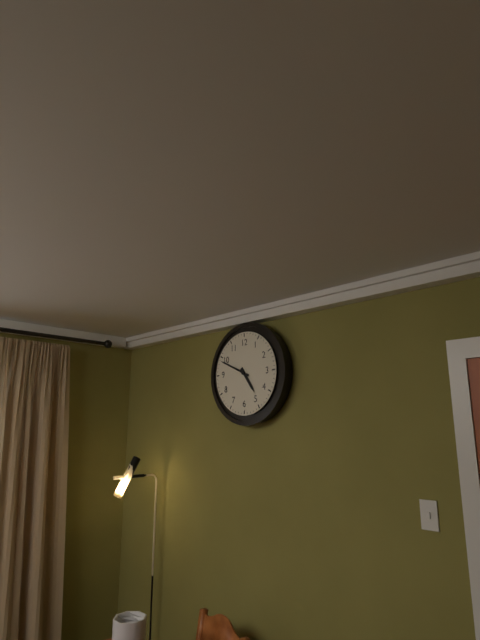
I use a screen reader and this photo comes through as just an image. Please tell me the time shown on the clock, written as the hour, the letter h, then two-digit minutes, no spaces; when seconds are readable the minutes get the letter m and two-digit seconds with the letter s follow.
4h49
